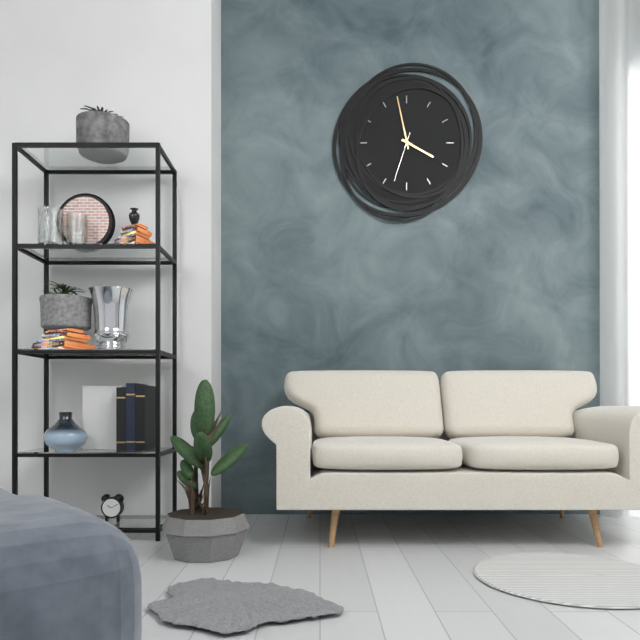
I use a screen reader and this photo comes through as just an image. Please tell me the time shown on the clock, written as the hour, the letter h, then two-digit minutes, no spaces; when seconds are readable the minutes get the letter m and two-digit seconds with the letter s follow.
3h58m33s
